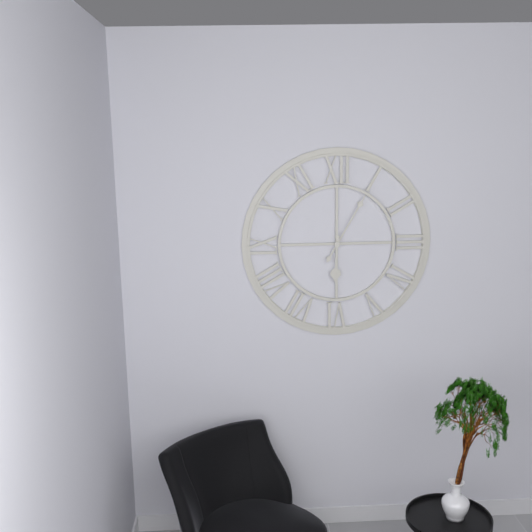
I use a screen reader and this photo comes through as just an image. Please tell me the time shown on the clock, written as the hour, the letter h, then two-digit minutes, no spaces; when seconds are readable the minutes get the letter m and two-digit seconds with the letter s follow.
6h05
